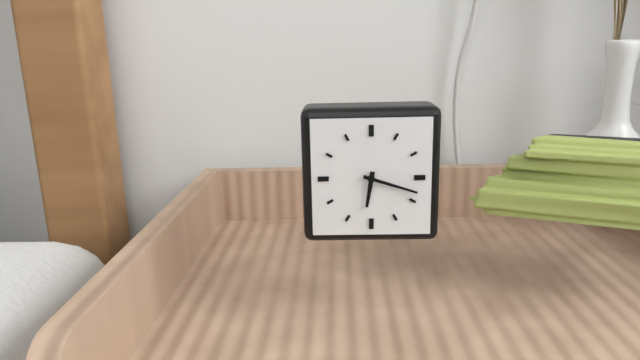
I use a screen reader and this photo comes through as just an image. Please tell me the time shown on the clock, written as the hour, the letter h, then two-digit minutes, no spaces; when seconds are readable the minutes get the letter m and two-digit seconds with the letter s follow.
6h18
